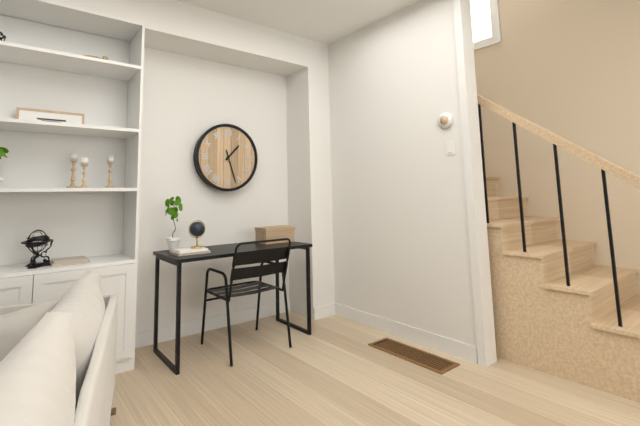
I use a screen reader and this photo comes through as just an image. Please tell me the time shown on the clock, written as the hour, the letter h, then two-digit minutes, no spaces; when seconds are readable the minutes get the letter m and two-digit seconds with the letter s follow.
1h27
